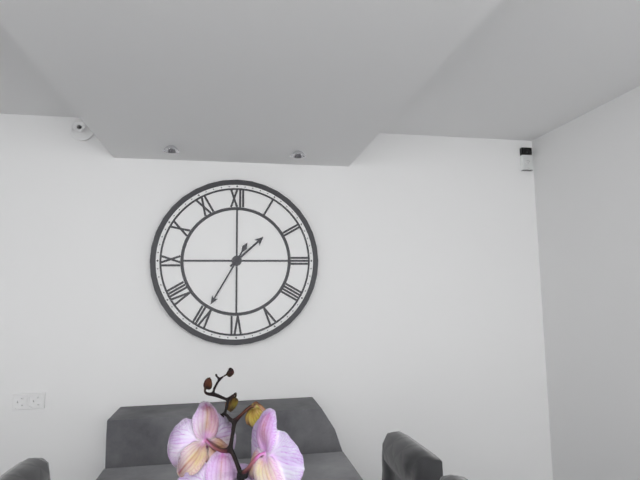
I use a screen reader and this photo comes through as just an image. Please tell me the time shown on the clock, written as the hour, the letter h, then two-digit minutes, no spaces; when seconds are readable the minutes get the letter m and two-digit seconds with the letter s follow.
1h35
